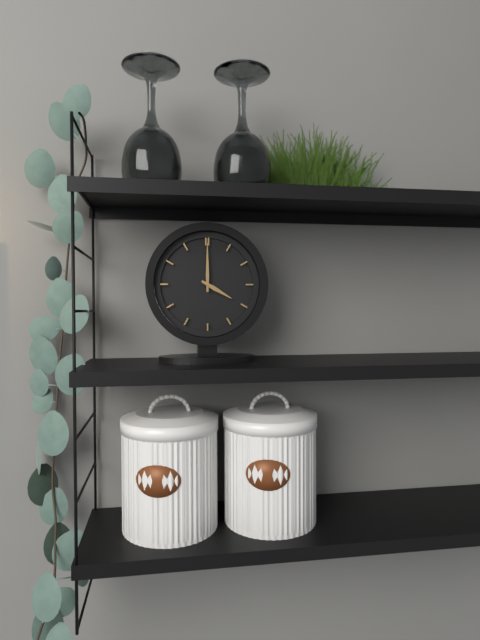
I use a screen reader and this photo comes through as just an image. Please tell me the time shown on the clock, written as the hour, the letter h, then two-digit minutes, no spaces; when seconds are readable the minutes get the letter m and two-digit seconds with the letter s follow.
4h00
